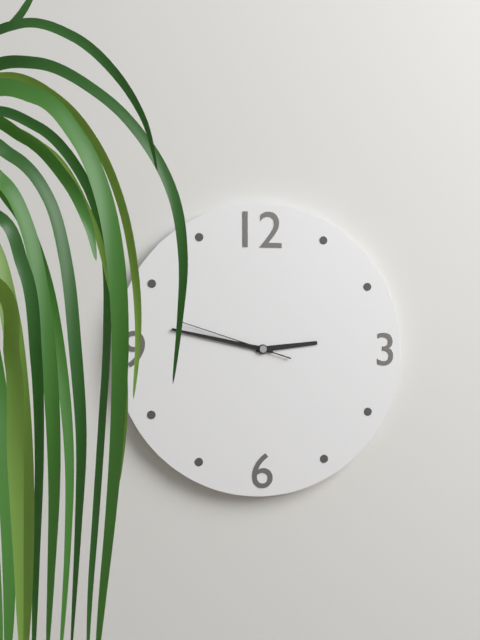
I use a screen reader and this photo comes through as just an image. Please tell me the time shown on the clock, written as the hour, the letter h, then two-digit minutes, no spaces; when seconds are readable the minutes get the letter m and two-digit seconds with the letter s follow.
2h47m48s
